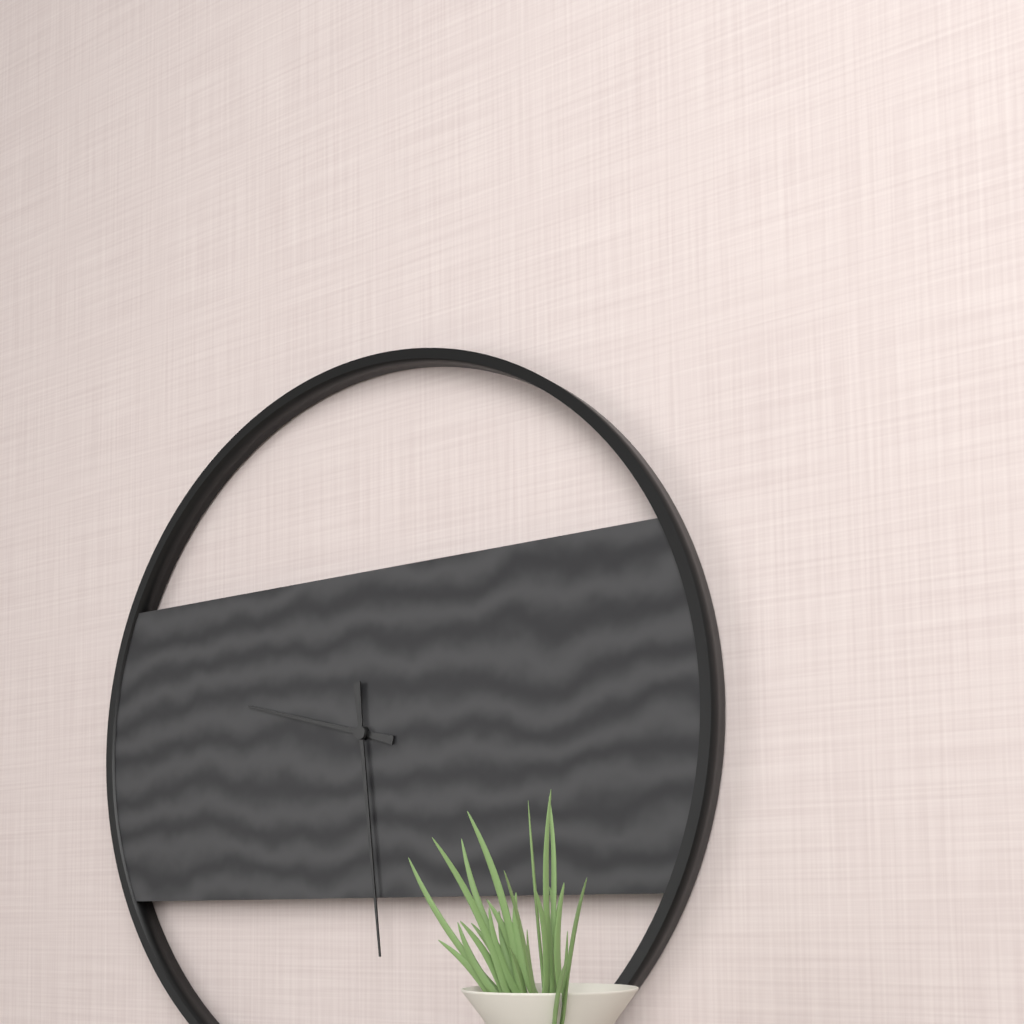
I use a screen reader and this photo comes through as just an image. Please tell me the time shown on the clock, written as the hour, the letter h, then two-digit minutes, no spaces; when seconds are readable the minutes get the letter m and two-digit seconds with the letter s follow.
9h29
